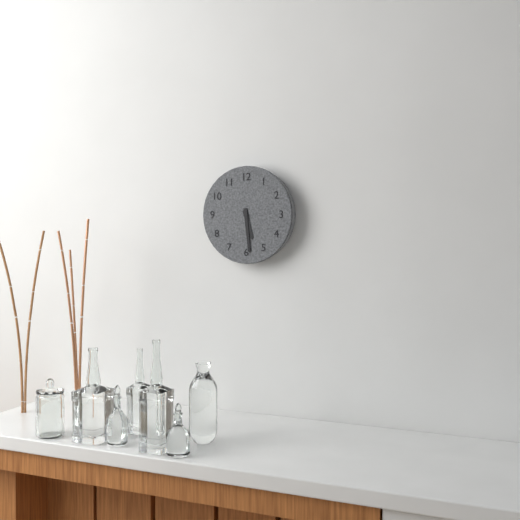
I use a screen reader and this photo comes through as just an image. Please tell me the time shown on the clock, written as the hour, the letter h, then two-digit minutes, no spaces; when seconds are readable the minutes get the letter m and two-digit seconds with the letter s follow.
5h29
